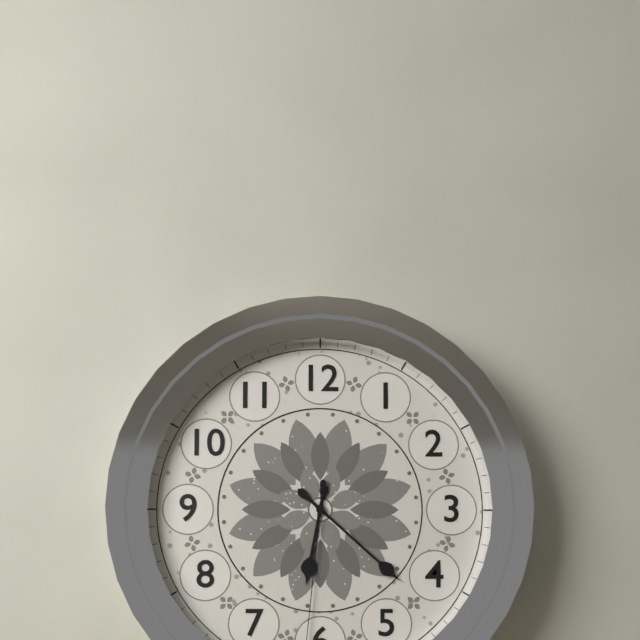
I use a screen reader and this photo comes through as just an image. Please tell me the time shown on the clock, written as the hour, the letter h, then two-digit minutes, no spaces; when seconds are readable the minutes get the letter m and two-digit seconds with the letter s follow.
6h22
